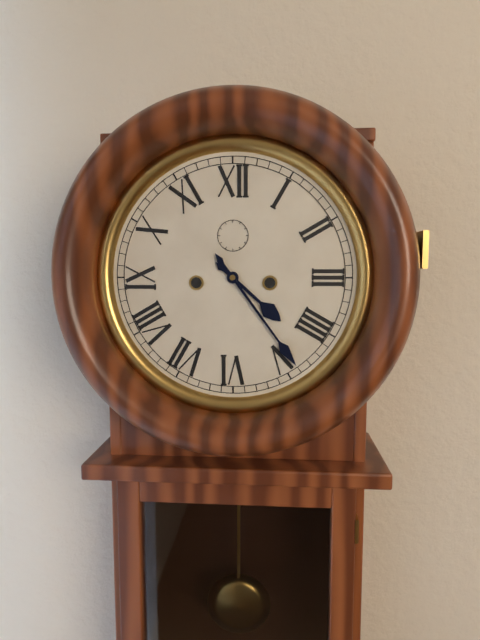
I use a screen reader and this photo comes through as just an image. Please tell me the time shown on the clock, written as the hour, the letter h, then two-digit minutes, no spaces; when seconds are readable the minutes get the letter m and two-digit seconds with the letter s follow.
4h24
